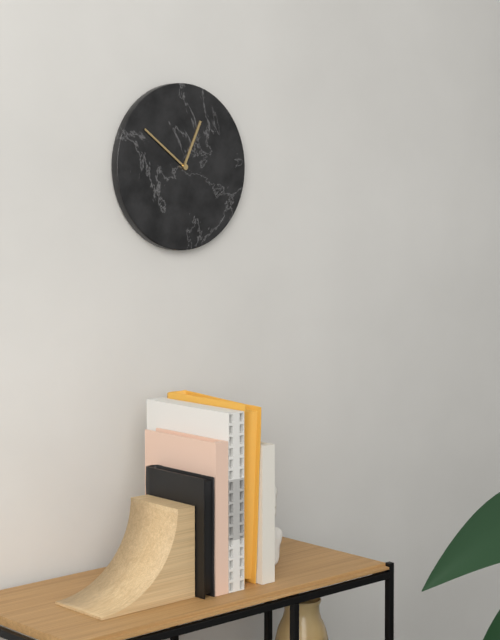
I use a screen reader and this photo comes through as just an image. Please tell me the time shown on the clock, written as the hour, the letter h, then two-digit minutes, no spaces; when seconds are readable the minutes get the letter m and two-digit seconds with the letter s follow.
12h51
